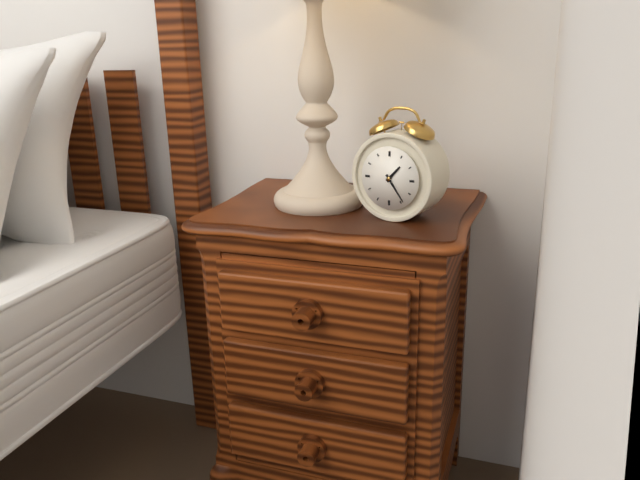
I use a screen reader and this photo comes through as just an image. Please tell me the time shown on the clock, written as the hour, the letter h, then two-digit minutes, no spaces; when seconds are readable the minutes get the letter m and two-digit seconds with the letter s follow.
1h24
